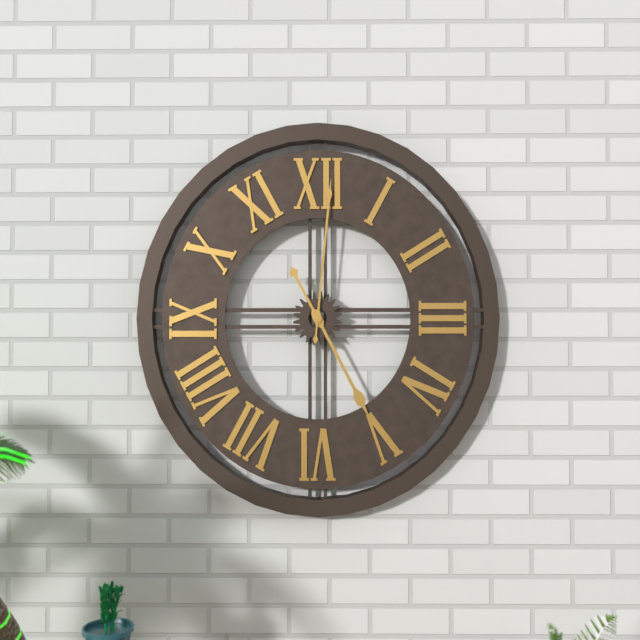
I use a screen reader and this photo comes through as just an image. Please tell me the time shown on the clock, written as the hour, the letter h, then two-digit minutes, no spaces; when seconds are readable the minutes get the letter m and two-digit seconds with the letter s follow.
5h01
